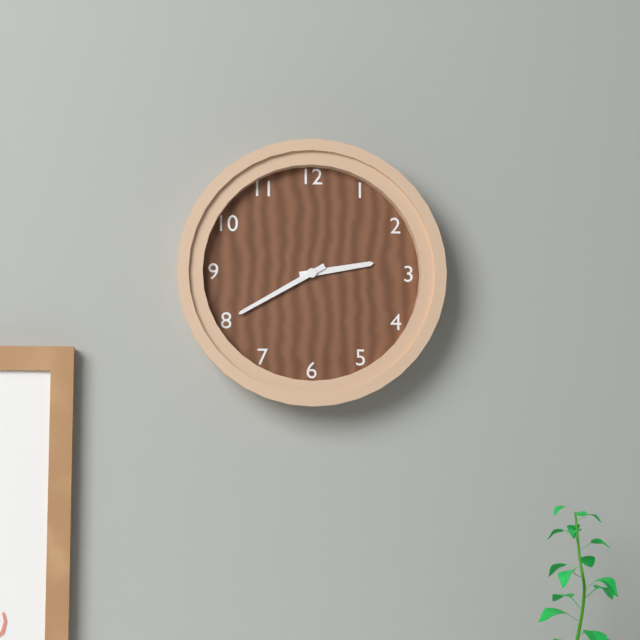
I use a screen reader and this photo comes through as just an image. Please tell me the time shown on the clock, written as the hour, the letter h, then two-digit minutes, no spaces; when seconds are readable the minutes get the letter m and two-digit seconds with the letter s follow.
2h40
